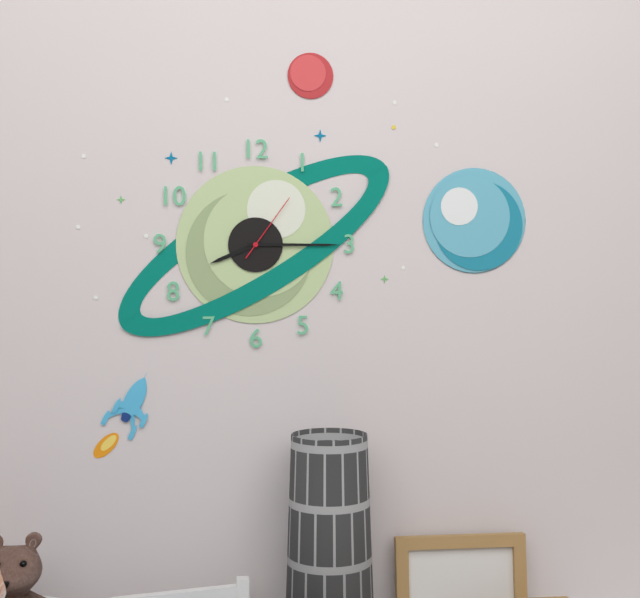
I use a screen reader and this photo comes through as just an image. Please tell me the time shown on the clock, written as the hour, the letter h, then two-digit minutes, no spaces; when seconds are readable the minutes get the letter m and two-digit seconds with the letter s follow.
8h15m06s
